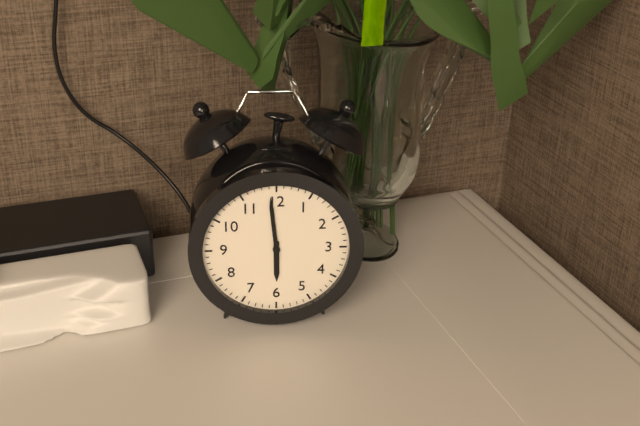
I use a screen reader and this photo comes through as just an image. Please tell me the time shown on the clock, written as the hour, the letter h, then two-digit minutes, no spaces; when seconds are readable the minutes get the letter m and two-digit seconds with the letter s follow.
5h59
